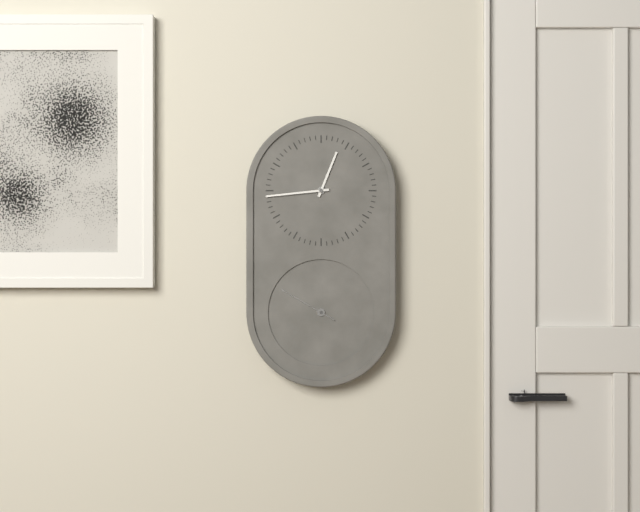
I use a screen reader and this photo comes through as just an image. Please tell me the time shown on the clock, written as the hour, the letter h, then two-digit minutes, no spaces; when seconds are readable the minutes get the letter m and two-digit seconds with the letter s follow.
12h44m50s
